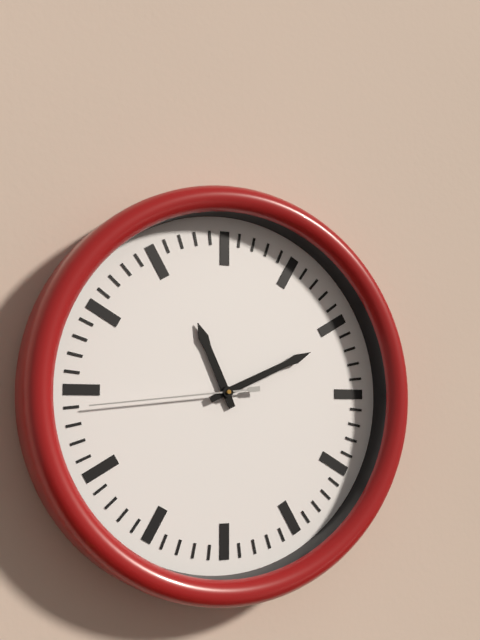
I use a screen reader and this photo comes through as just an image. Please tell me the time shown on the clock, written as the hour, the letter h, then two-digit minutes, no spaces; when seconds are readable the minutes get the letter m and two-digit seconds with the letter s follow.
11h11m44s
